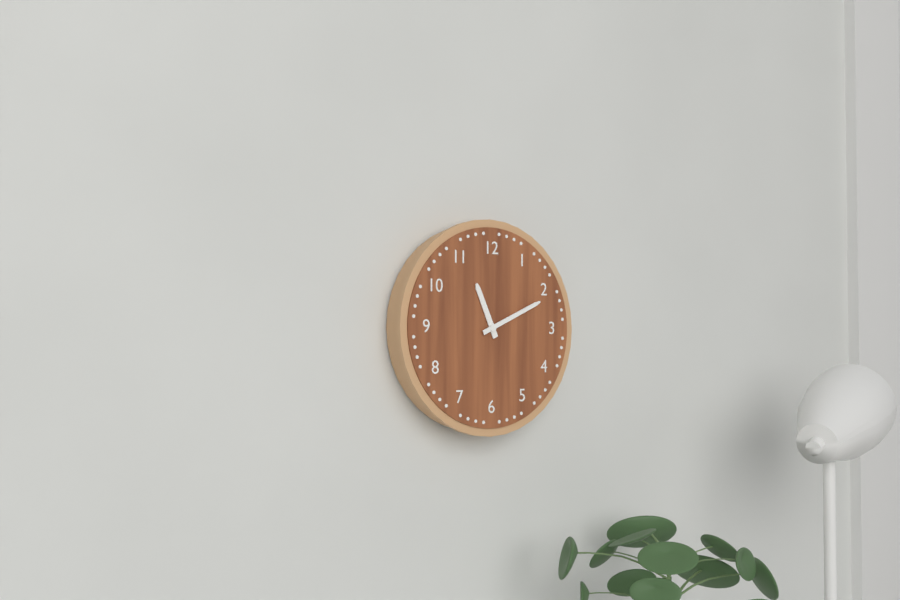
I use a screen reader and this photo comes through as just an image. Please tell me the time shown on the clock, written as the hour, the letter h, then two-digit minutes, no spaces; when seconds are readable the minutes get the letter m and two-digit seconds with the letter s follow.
11h11
